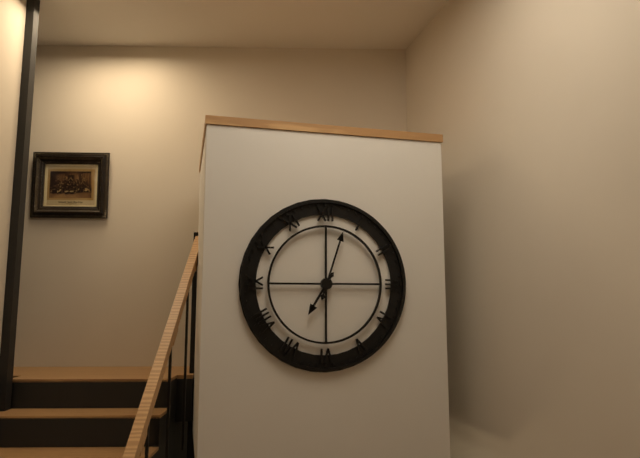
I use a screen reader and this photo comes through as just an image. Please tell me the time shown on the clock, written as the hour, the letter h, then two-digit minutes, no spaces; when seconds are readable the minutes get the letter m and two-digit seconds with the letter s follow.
7h03
